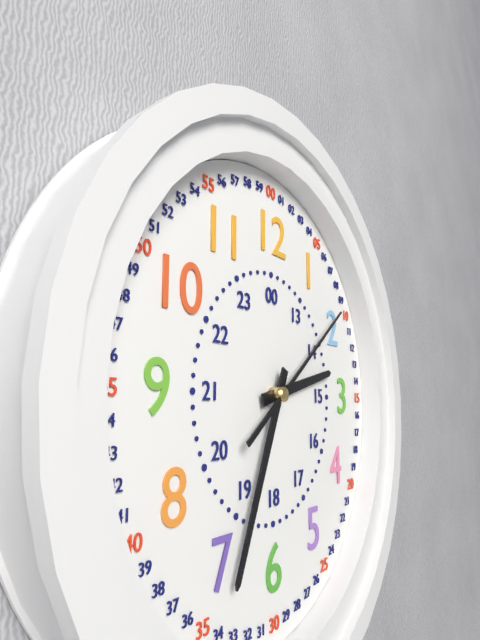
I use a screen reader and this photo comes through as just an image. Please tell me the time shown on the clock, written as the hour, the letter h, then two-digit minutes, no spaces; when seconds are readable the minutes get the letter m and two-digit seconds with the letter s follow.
2h34m09s
